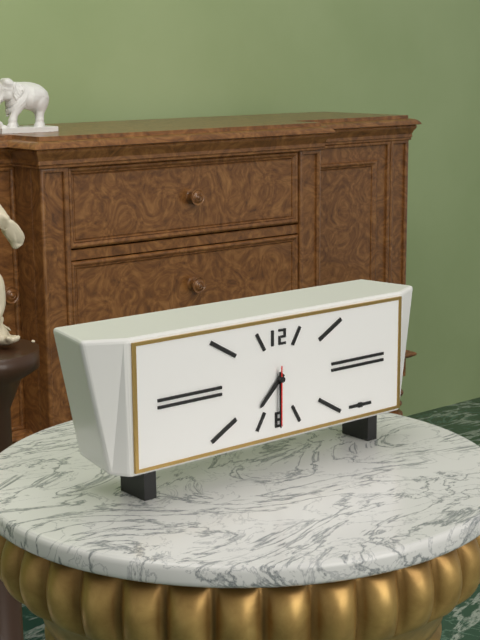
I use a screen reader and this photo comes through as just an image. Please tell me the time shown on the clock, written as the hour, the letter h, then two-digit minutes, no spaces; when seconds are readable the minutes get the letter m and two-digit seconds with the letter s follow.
7h30m30s
